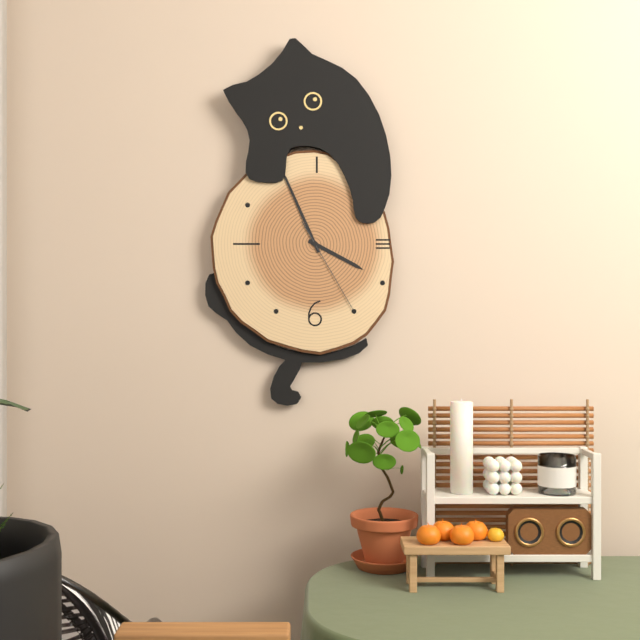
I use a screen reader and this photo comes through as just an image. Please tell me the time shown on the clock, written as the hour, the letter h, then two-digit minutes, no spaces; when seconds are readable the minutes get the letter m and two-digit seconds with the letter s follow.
3h56m25s
